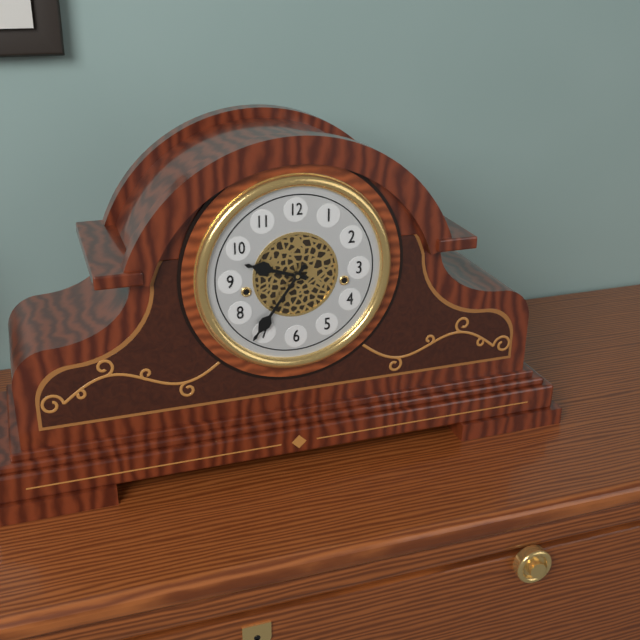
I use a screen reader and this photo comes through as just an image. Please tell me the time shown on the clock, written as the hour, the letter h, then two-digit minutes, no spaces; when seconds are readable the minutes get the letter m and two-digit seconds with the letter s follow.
9h36
